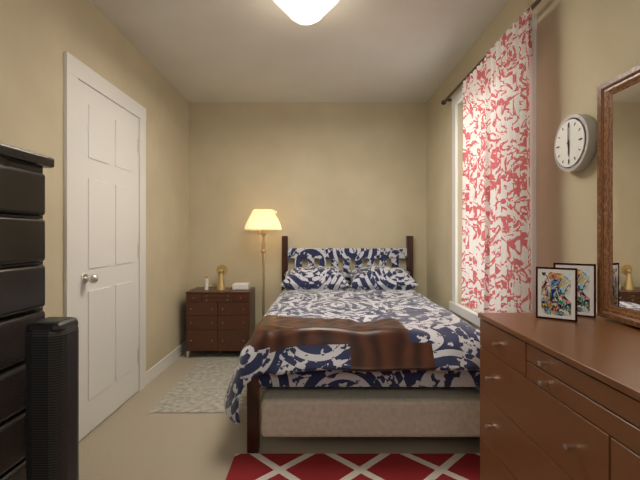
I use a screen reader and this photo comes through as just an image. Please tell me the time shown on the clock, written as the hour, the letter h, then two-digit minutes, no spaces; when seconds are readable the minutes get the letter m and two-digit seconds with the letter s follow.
6h00
